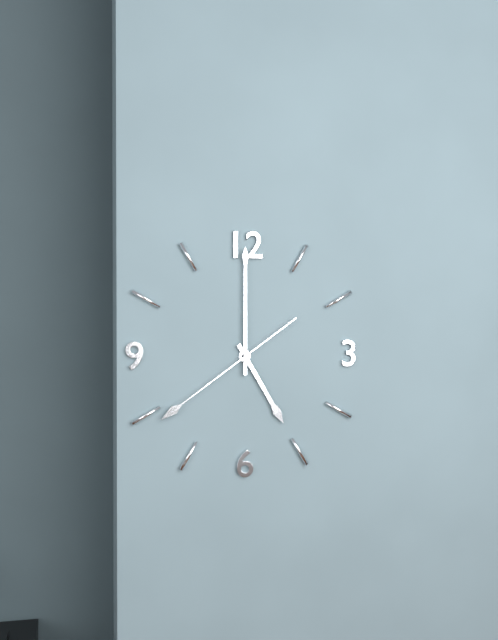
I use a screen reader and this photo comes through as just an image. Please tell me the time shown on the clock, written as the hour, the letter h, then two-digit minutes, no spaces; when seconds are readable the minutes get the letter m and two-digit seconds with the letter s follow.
5h00m39s
